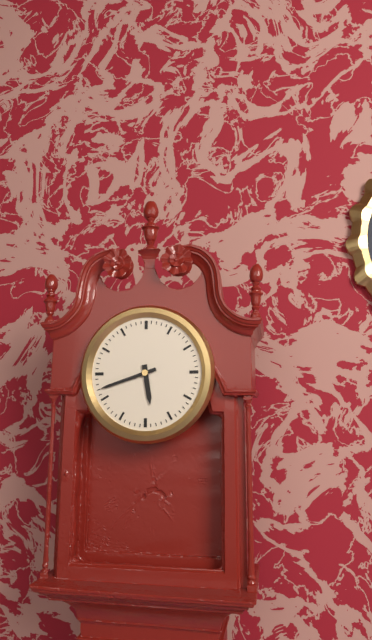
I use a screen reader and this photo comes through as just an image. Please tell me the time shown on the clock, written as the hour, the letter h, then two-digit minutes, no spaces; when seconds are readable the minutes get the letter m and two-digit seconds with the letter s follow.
5h42
